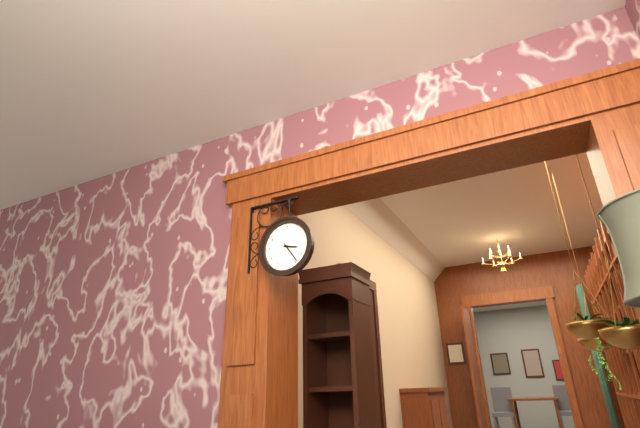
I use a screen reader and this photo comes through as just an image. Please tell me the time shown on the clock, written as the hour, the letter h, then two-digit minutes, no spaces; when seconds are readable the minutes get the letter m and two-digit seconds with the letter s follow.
3h24
